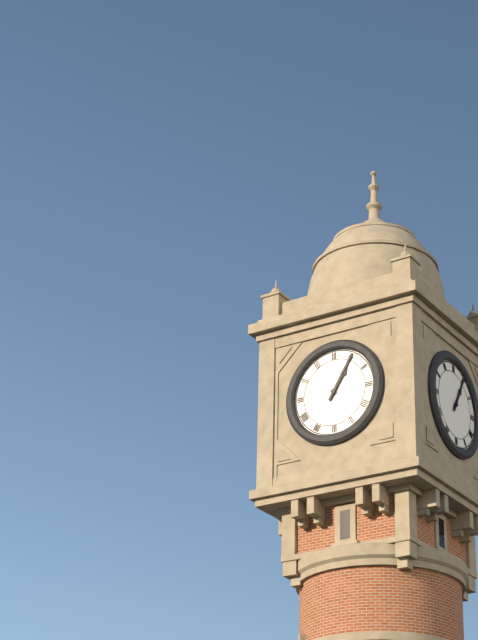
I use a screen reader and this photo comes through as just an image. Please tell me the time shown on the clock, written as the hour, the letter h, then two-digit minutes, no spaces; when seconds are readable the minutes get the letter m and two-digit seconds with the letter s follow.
1h05
